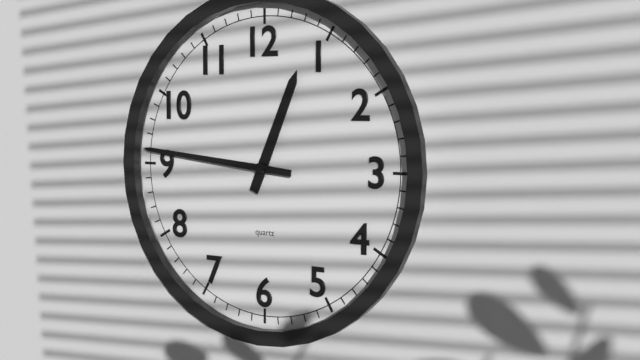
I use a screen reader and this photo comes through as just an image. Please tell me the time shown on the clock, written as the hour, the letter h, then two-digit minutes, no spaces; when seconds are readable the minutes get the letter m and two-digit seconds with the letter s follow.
12h46
